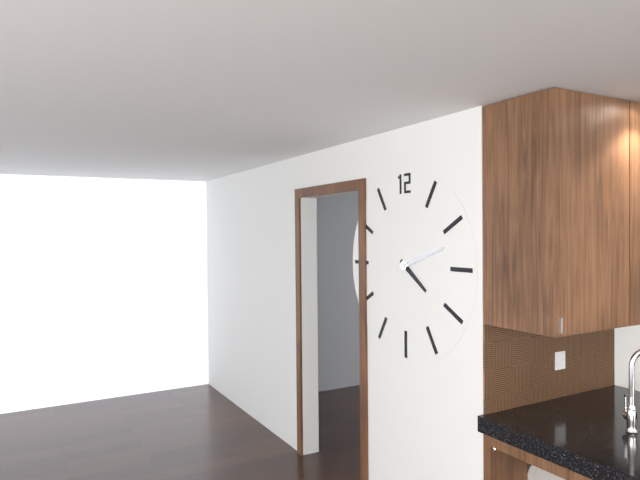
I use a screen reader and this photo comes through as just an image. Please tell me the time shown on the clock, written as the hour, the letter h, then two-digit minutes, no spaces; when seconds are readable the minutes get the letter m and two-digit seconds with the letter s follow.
4h12
